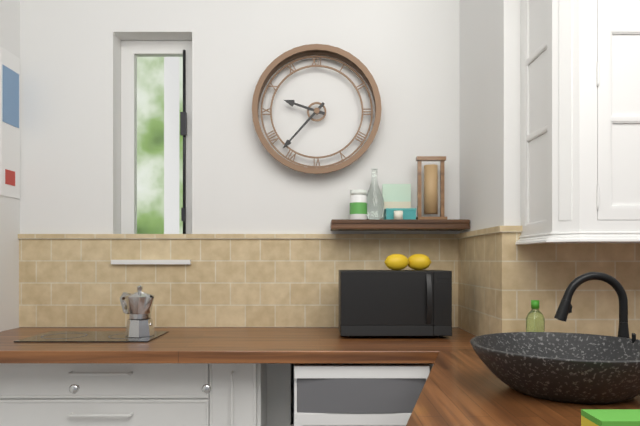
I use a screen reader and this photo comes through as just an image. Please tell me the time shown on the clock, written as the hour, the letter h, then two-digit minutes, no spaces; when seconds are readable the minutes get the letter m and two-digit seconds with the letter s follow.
9h37
